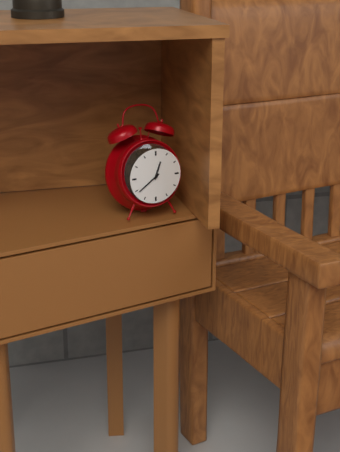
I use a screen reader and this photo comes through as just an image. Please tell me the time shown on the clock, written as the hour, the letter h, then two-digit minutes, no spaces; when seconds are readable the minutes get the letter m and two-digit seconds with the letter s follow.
12h39
